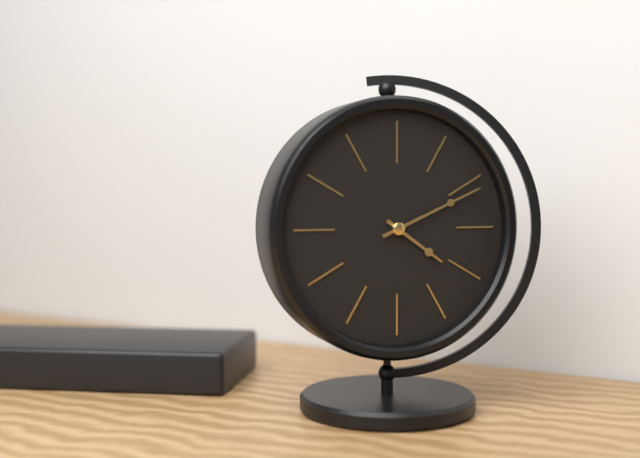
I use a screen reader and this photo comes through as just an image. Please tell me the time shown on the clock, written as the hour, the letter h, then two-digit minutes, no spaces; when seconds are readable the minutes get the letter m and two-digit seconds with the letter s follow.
4h11
